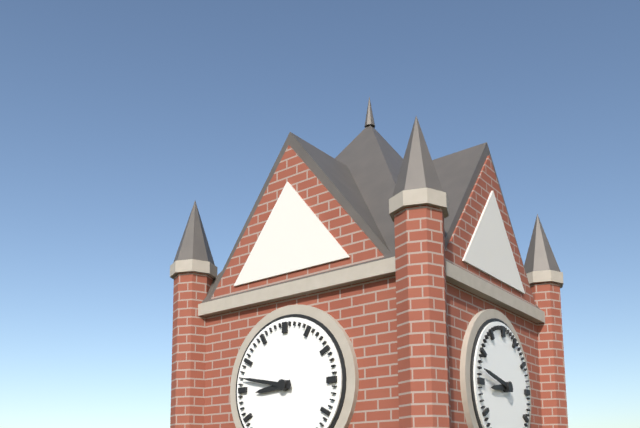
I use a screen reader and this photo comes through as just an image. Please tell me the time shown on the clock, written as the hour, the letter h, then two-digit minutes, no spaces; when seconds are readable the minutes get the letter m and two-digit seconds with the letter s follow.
8h47
